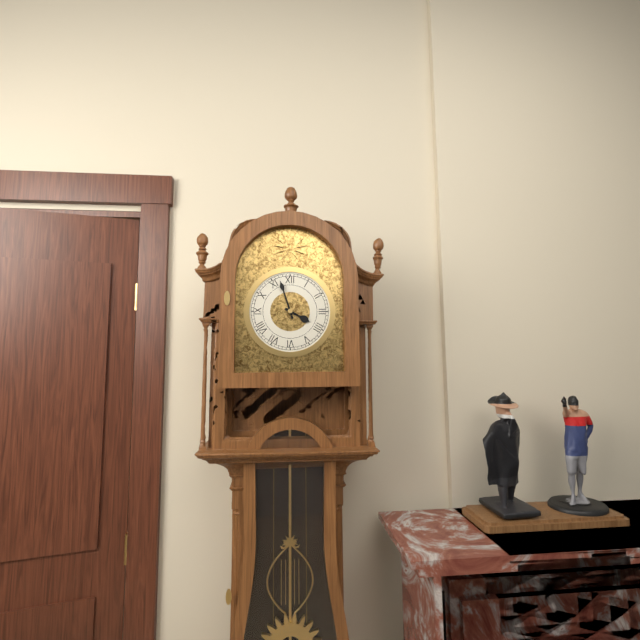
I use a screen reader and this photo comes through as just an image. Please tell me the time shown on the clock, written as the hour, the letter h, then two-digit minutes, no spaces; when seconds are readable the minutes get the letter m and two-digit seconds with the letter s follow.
3h57
